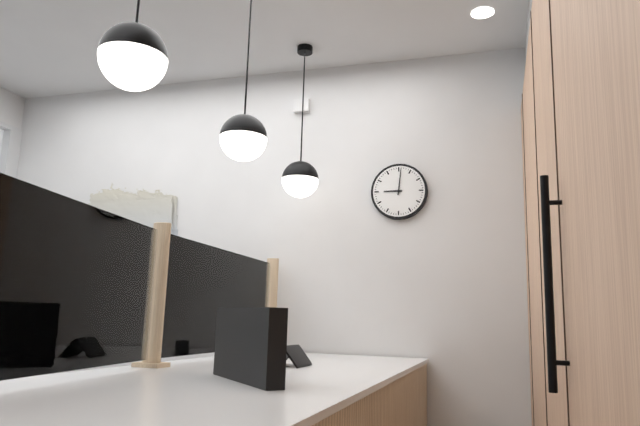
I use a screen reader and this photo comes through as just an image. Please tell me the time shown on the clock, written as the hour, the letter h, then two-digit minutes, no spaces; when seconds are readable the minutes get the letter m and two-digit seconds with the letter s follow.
9h01
